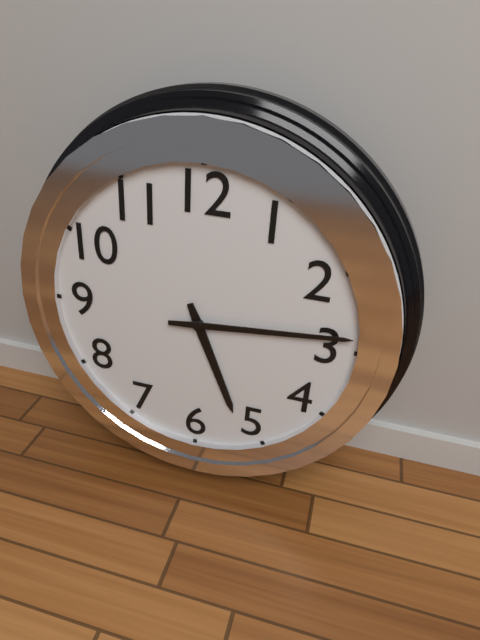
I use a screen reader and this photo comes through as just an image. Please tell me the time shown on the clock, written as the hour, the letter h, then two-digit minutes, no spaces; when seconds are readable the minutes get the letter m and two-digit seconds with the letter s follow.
5h14
